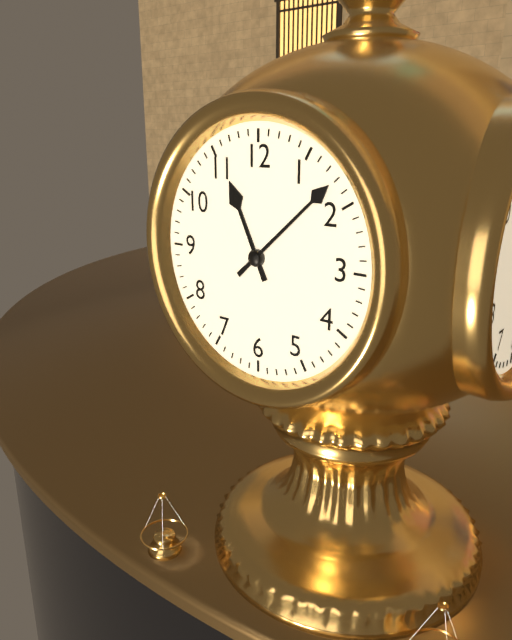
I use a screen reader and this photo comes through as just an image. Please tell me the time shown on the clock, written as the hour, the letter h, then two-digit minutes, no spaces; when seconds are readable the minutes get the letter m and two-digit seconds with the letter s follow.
11h08
